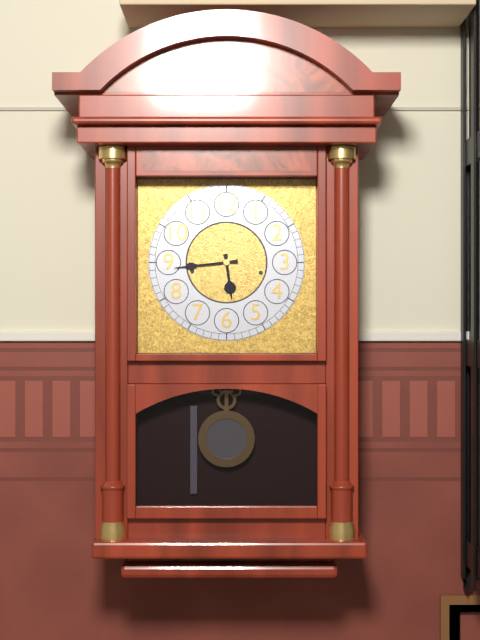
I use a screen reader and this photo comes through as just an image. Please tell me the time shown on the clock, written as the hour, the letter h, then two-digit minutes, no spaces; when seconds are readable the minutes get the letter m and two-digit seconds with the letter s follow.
5h44
